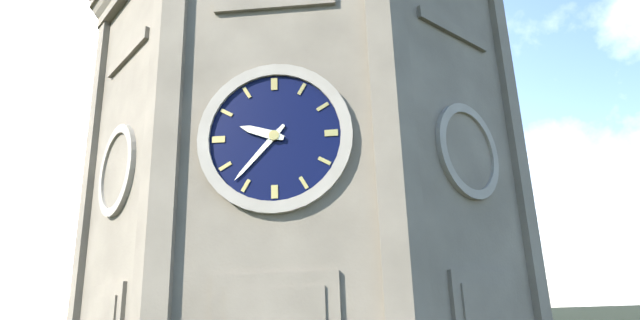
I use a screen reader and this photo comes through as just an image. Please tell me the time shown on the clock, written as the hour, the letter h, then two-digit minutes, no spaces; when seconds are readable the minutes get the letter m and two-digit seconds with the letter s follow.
9h37
